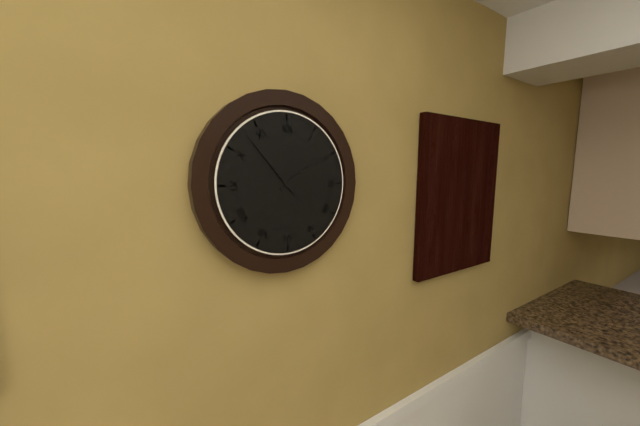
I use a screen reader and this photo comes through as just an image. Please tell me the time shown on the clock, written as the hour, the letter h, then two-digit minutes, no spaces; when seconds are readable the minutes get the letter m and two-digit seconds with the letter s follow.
1h53
